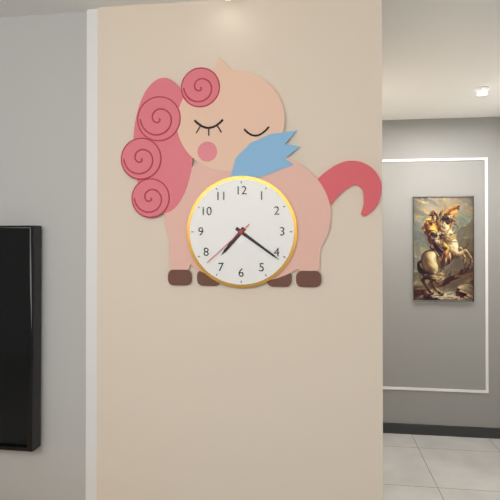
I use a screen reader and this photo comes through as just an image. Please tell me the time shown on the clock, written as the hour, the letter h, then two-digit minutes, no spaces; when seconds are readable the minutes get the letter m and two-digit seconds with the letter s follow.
7h21m38s
